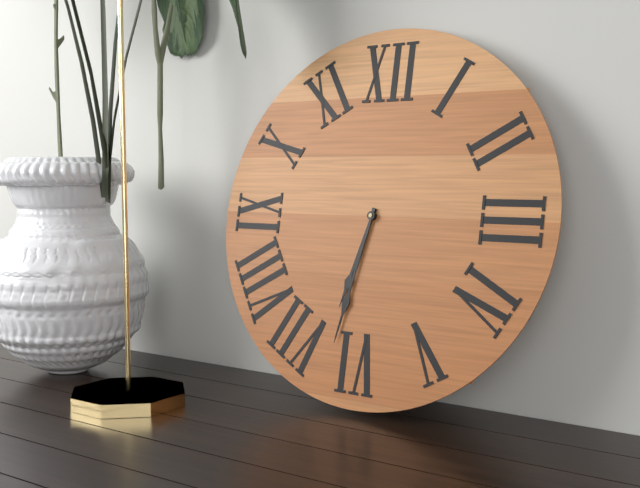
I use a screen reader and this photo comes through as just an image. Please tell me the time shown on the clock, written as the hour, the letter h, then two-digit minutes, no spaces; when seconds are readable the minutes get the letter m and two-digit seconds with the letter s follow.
6h32
